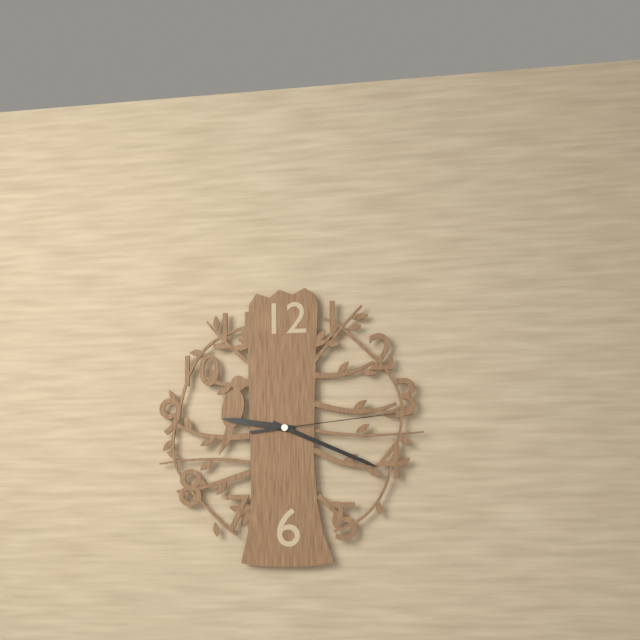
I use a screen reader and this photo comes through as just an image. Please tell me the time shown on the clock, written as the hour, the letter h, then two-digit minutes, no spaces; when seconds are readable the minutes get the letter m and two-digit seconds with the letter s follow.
9h19m14s
